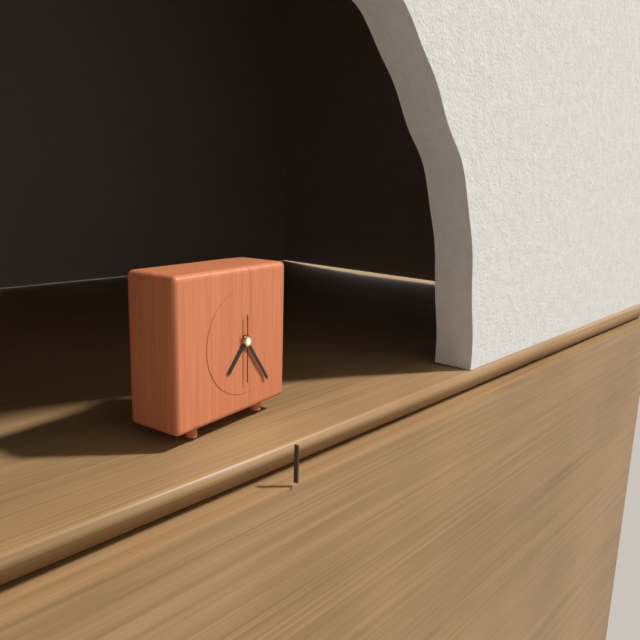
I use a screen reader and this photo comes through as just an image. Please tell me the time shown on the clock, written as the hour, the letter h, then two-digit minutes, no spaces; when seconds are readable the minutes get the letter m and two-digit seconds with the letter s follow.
7h24m30s
